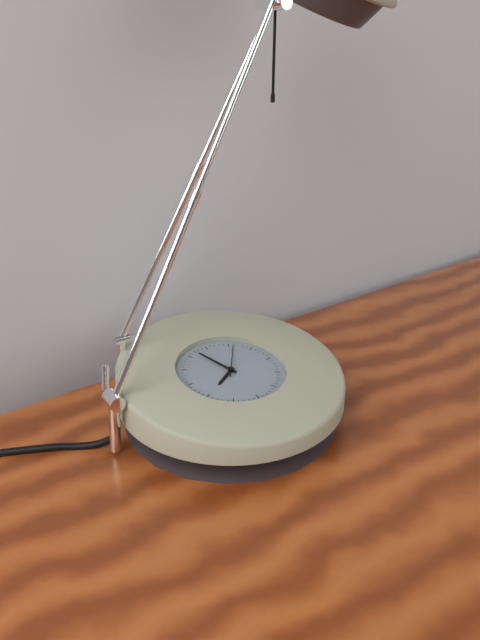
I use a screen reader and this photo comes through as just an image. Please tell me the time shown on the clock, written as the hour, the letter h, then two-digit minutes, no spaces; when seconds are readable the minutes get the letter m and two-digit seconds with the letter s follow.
7h57
